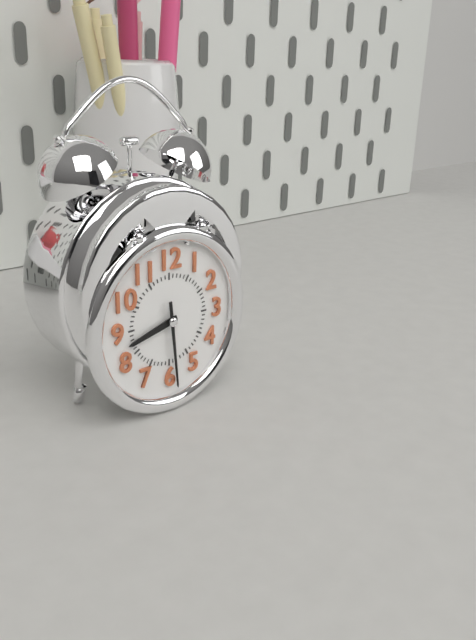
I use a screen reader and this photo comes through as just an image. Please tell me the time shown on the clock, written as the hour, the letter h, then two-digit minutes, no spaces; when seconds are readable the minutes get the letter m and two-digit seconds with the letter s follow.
8h29
